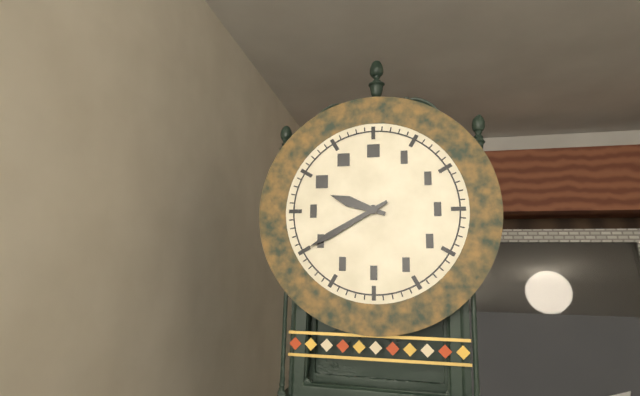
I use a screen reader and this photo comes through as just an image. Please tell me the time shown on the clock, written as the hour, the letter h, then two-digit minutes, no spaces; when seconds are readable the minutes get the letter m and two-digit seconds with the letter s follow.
9h40
